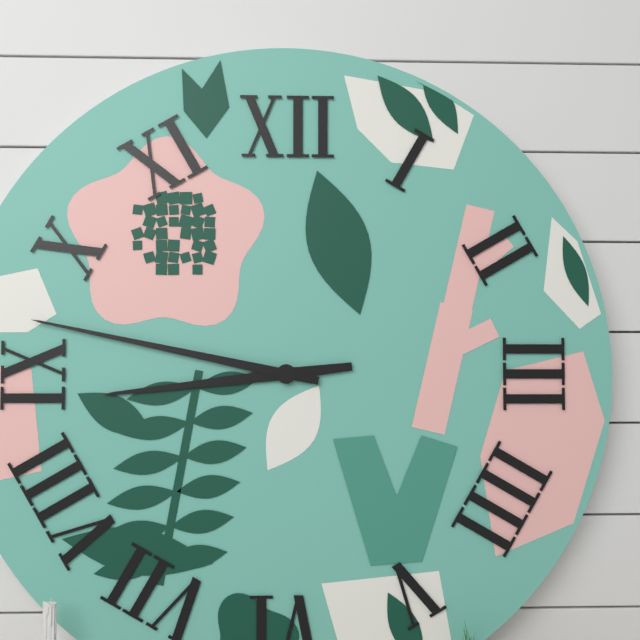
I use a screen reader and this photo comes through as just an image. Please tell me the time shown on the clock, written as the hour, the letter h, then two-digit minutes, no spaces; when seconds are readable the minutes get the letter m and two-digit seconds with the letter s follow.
8h47
